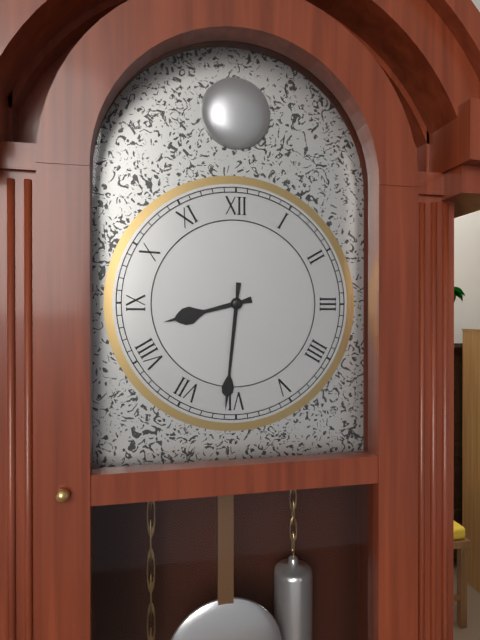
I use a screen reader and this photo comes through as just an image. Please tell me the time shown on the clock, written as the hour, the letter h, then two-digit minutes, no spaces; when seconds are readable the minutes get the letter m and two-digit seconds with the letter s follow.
8h31
